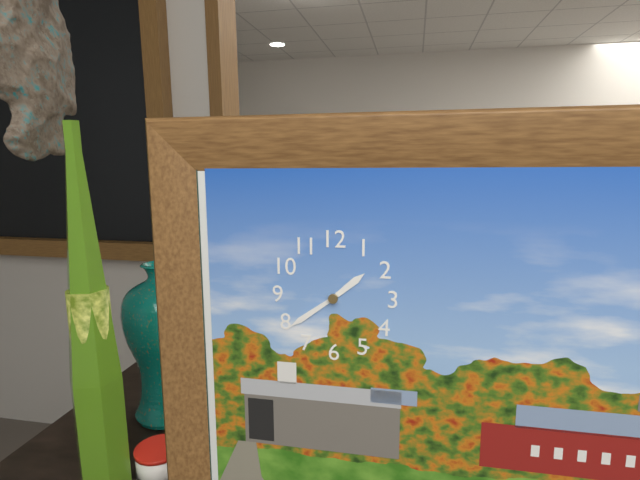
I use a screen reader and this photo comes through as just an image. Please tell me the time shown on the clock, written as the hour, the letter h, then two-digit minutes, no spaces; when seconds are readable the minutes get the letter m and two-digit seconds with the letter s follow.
1h39
